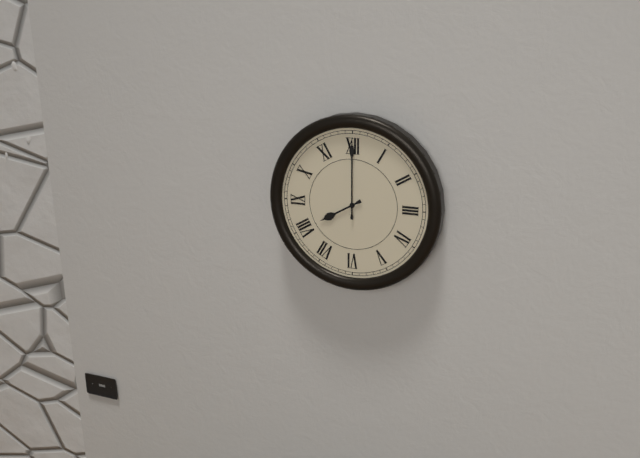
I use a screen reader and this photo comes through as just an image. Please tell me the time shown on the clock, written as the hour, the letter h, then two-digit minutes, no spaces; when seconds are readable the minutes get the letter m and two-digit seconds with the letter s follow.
8h00
